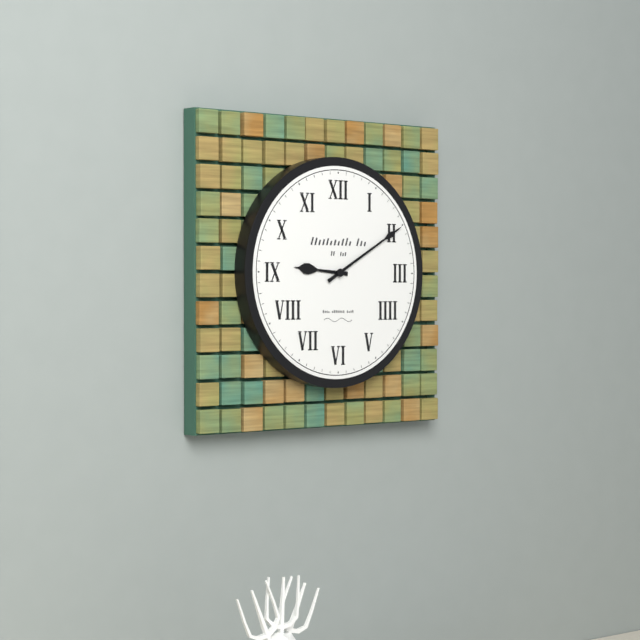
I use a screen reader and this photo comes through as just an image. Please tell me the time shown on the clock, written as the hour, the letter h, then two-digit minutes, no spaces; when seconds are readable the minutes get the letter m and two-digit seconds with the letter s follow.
9h10
